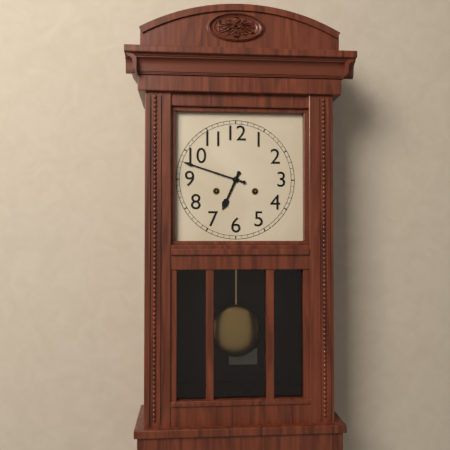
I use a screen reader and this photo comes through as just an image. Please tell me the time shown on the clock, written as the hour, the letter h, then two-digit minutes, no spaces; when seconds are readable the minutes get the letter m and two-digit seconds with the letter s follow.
6h48
